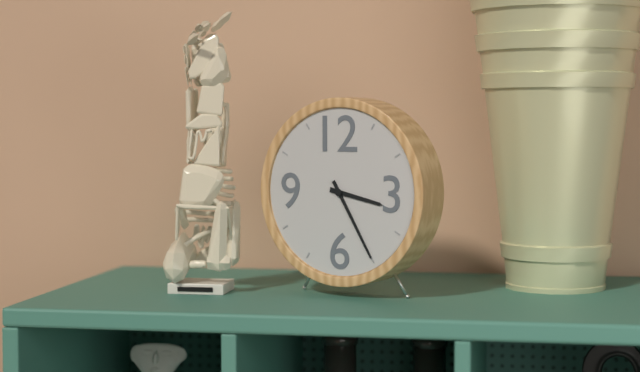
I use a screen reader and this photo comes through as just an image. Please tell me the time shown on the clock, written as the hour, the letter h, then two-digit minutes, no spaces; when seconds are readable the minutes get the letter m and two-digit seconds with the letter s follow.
3h25
